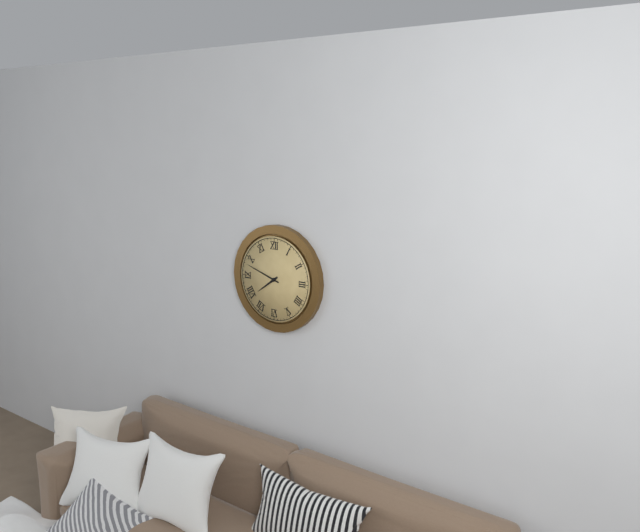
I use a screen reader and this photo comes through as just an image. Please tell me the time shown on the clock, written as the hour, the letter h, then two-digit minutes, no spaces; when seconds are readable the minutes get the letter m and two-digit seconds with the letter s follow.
7h48
